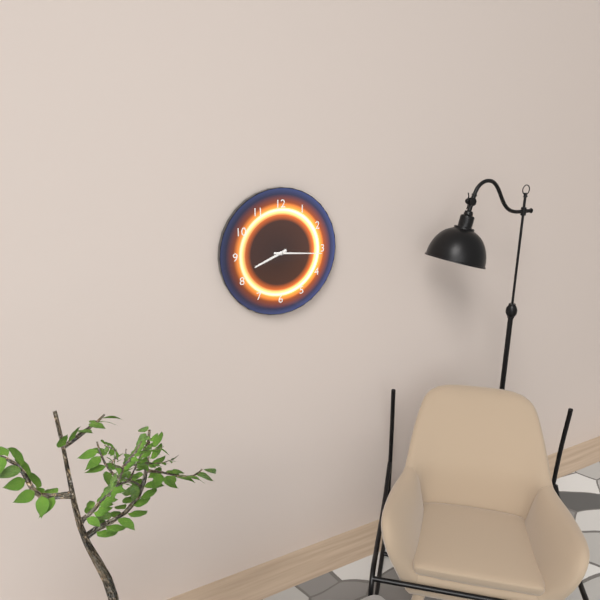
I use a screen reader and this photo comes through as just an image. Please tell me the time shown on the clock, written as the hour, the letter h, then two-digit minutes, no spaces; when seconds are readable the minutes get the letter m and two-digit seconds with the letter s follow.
8h16
